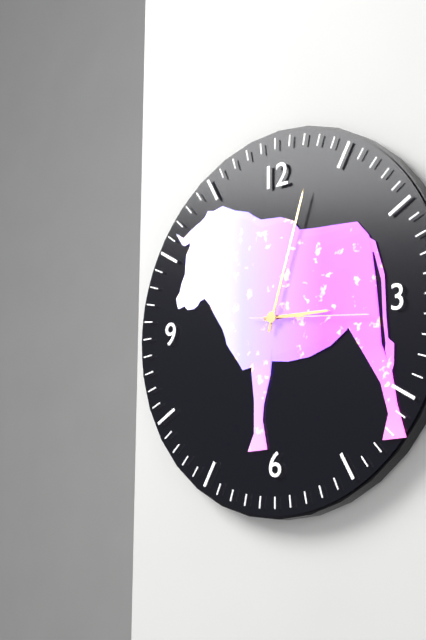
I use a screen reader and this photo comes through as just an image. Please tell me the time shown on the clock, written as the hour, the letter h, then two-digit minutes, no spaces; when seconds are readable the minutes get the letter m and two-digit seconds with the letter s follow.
3h03m16s
